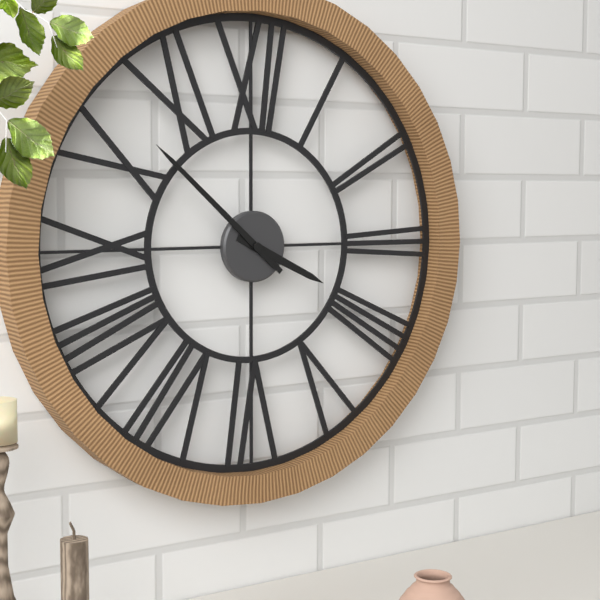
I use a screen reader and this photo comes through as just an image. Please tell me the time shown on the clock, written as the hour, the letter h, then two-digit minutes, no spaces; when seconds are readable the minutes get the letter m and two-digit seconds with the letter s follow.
3h52
